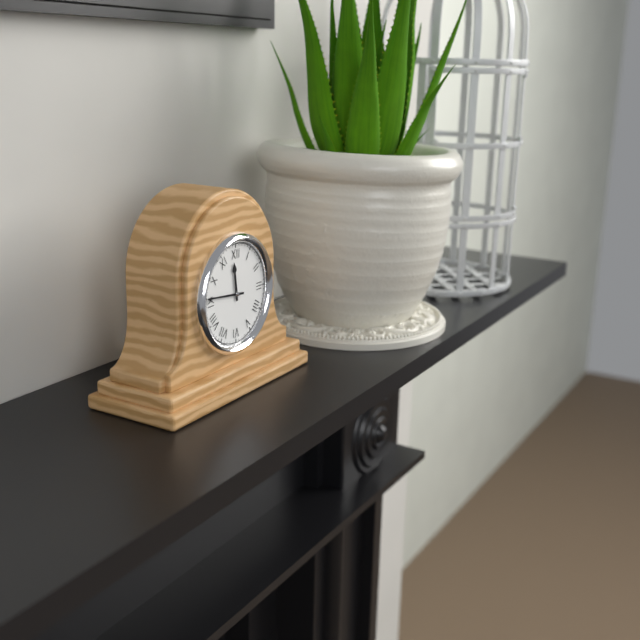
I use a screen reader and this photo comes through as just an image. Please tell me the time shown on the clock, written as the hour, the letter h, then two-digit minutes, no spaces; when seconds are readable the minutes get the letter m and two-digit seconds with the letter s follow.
11h46
